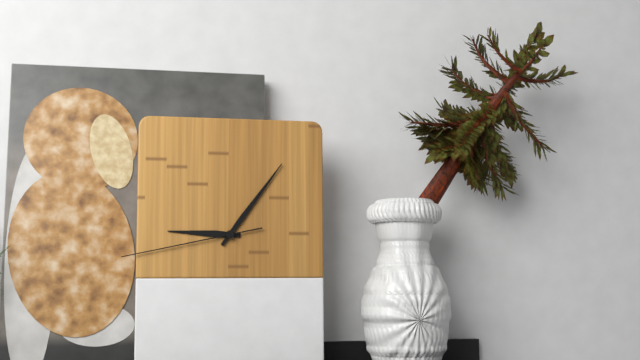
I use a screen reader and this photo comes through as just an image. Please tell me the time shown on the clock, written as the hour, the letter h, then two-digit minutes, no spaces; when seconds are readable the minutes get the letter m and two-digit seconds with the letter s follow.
9h06m43s
